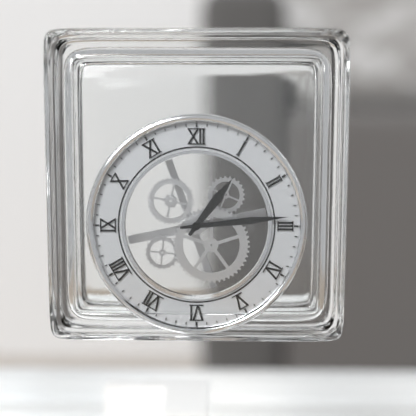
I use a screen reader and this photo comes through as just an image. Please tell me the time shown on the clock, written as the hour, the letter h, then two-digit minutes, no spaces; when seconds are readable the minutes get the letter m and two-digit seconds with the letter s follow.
1h14
